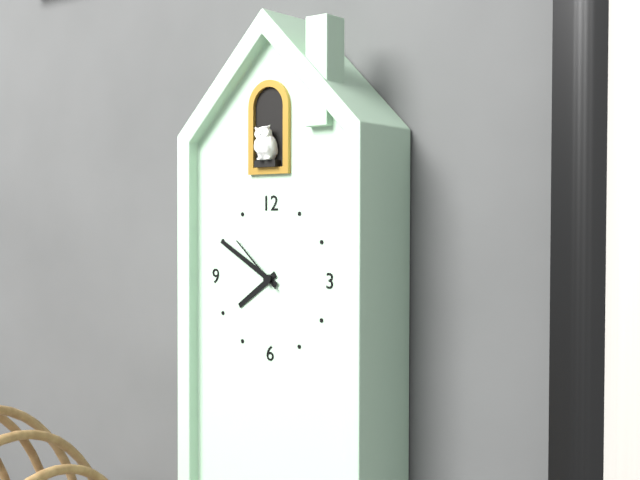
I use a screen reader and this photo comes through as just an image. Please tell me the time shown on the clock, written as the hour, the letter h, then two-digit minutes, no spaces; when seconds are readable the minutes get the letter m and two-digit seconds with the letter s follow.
7h50m52s
